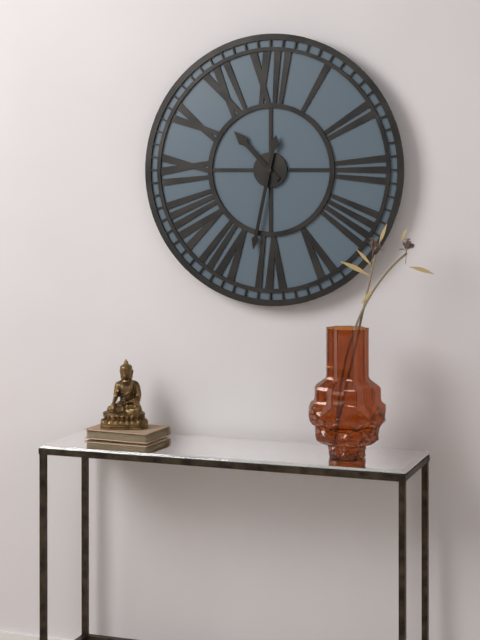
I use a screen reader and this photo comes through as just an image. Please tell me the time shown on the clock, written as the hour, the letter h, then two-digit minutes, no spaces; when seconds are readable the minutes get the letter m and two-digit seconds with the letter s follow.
10h32
